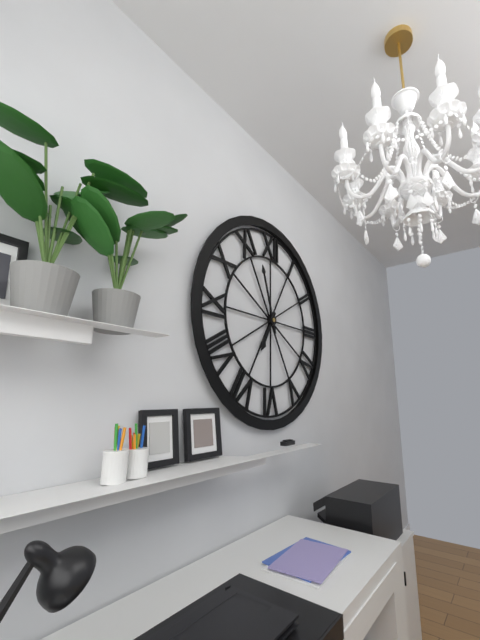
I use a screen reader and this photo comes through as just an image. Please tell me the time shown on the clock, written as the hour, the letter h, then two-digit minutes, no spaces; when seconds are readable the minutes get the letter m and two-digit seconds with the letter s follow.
6h57
